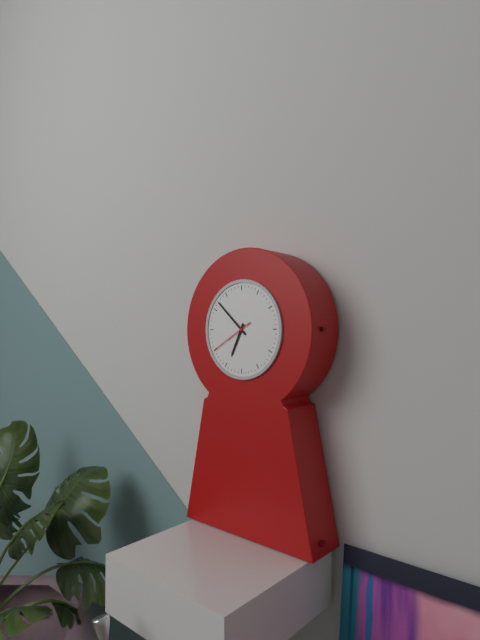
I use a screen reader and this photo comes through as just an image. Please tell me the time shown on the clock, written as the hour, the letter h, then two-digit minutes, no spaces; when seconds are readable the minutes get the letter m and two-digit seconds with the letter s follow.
6h52
